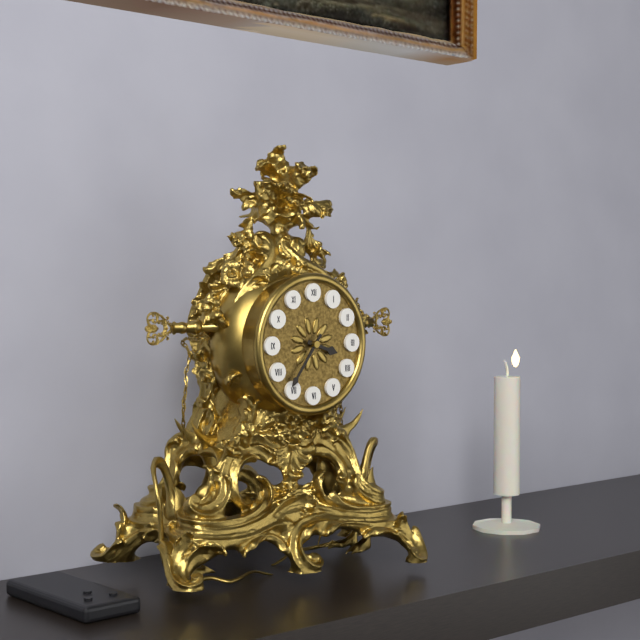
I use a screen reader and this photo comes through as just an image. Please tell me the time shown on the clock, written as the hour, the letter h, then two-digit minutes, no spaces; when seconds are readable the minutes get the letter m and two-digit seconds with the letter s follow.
3h36
